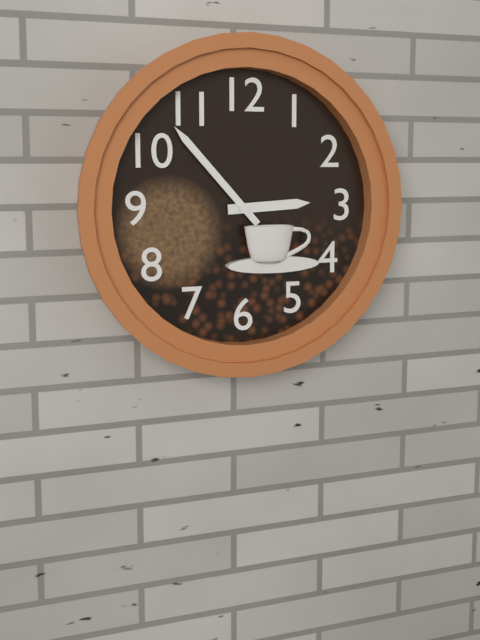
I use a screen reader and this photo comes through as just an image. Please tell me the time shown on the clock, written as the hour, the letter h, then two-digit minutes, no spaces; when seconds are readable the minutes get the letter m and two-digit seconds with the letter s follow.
2h53
